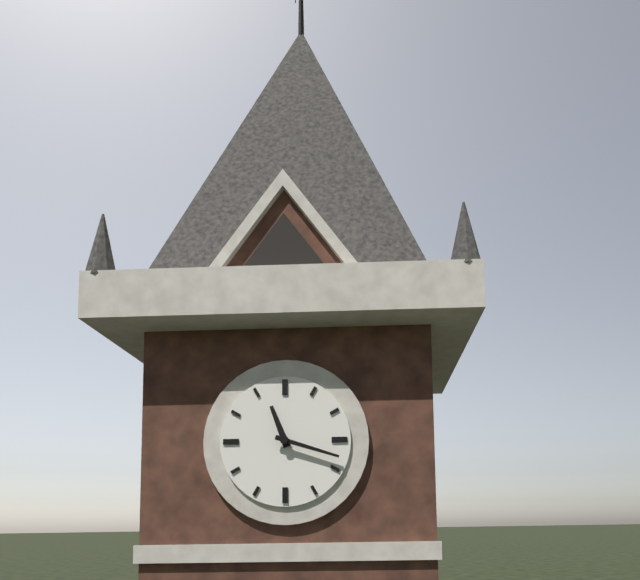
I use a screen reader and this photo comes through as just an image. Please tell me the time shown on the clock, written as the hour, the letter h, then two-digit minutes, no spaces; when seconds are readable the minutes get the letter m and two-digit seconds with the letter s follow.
11h18
